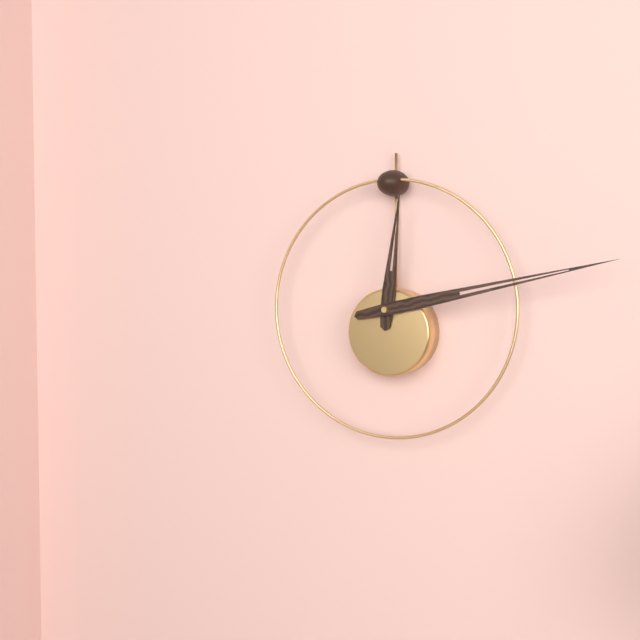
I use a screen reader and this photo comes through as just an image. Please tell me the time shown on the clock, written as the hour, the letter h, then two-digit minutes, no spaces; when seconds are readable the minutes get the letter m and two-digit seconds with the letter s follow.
12h13
